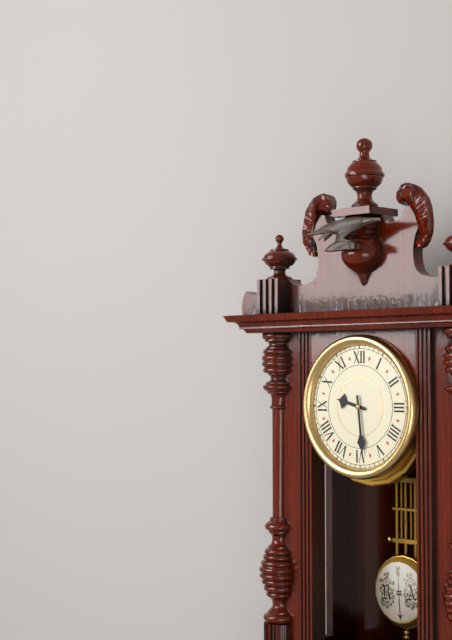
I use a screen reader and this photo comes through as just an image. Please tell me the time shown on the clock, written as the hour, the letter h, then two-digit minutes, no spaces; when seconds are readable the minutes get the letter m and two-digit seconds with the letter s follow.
9h29
